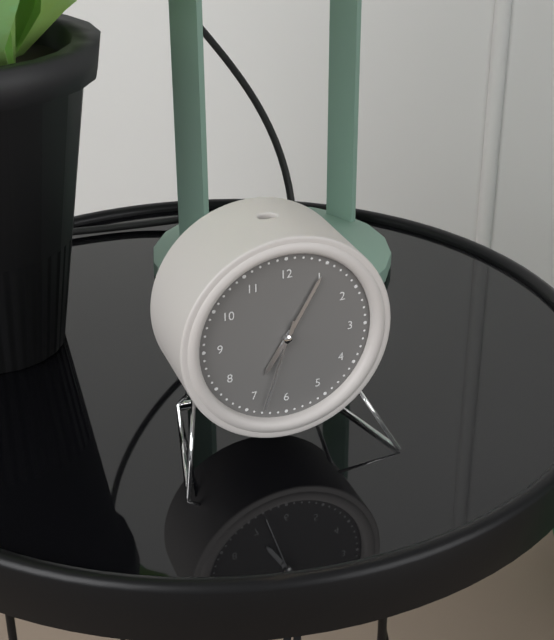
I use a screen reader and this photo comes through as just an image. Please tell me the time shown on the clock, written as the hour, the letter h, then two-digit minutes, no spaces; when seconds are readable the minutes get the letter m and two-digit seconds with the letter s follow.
7h05m33s
